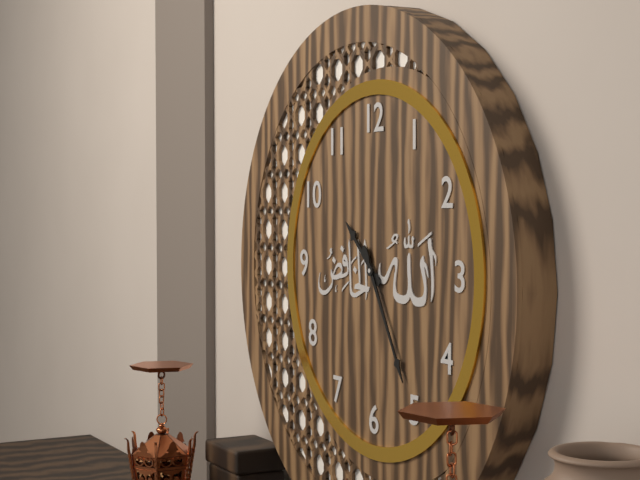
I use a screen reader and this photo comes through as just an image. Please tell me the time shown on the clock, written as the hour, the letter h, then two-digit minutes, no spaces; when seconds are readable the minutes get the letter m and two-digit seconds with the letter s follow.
10h25
